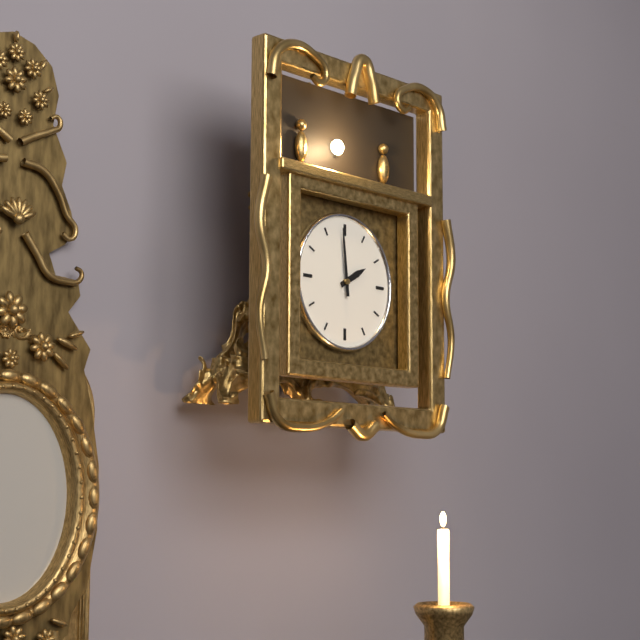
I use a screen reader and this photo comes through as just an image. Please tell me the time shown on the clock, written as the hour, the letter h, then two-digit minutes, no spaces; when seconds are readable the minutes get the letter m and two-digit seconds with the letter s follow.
1h59
